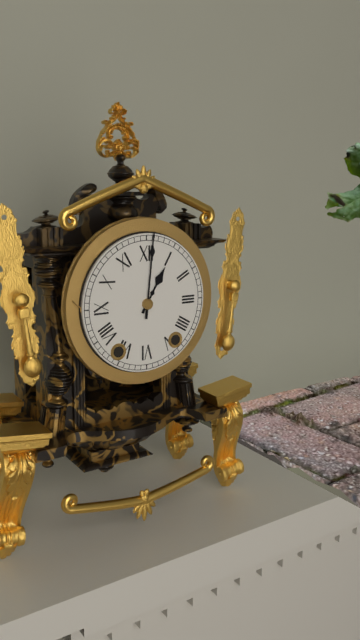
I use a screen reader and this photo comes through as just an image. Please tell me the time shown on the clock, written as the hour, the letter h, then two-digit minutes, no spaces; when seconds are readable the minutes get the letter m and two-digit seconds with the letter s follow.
1h01
